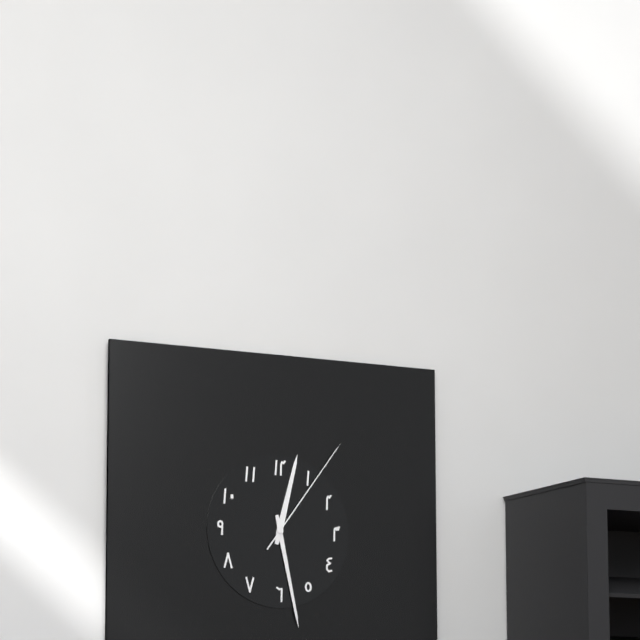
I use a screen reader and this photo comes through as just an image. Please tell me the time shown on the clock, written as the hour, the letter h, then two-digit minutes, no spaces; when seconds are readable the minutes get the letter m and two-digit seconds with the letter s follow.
12h28m06s
